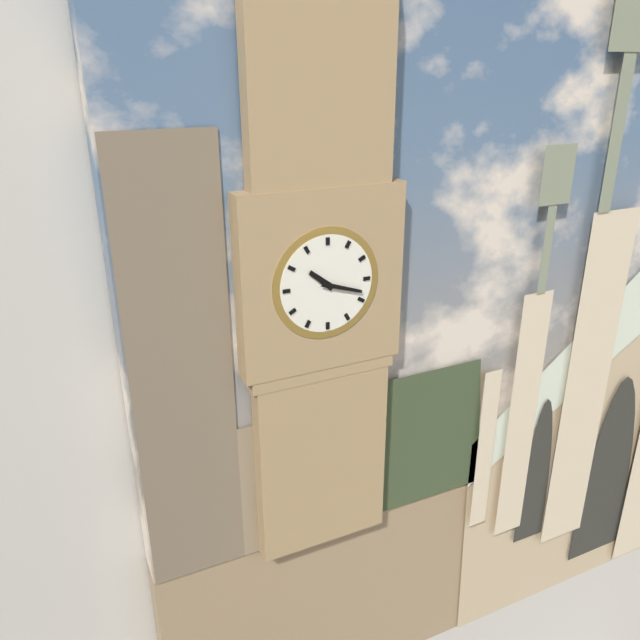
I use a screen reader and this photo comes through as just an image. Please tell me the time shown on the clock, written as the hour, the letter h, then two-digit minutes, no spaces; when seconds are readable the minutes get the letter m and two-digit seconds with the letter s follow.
10h18
